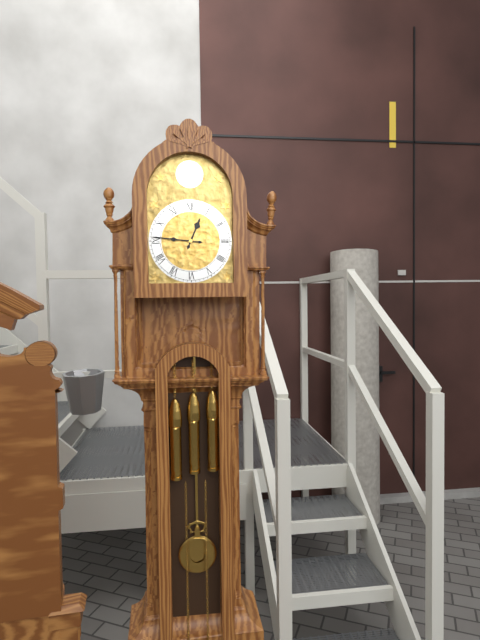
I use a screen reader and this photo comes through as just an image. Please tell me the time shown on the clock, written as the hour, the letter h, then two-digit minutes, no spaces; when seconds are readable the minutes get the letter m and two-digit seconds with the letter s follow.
12h46
